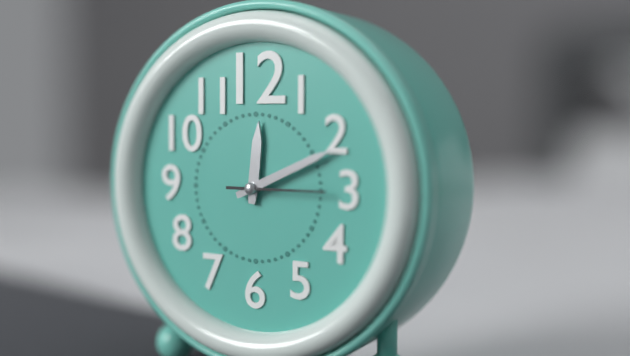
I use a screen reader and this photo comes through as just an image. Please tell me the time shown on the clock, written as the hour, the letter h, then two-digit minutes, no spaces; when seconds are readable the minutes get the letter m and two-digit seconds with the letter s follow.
12h11m15s
